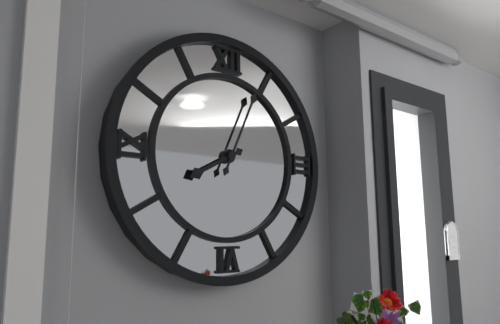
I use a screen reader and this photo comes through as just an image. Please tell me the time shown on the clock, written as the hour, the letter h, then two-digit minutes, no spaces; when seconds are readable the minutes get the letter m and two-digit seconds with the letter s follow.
8h04
